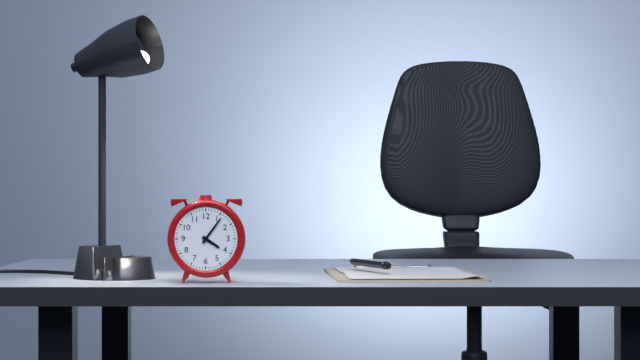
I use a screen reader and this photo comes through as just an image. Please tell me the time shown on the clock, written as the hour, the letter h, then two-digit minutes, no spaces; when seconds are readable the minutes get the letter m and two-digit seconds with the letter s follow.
4h06
